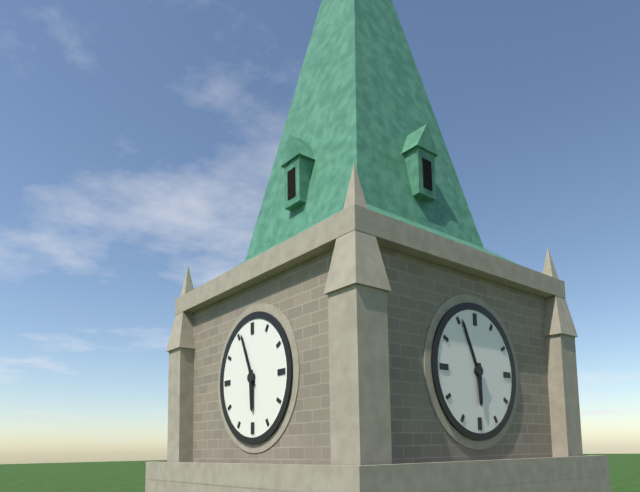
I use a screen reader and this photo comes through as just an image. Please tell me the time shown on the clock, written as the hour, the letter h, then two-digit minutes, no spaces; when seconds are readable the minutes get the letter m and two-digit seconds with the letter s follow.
5h56
